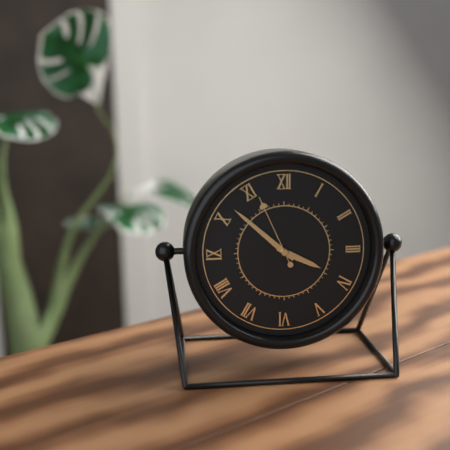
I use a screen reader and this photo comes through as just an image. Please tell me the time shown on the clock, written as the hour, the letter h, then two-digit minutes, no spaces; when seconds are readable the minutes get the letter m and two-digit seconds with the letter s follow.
3h52m56s
